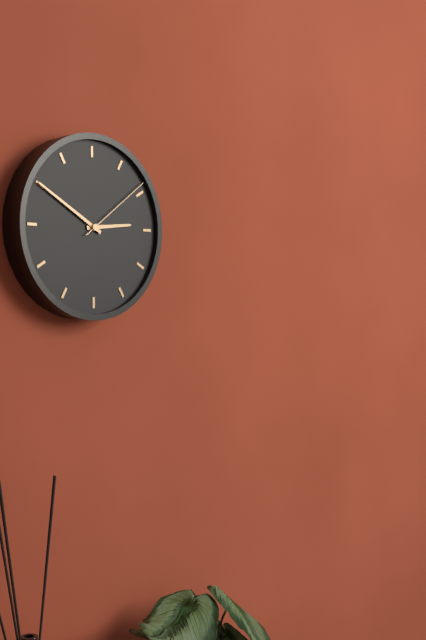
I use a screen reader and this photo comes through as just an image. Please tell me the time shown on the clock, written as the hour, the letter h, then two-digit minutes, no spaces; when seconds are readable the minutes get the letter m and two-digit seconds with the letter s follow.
2h50m09s
